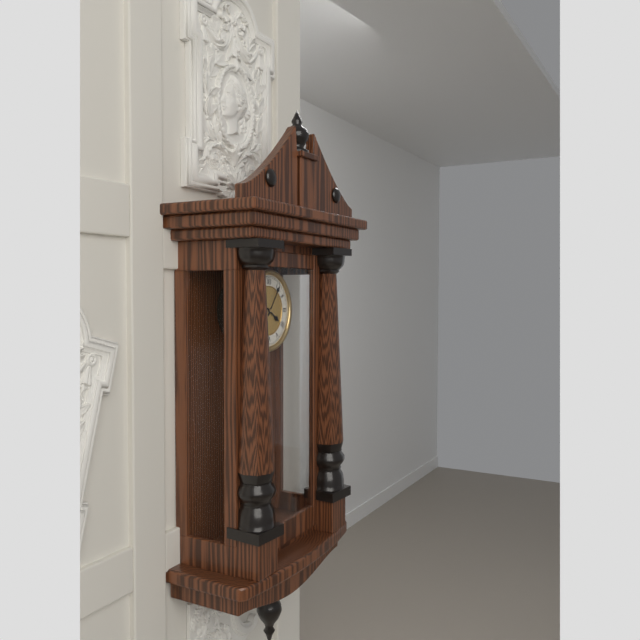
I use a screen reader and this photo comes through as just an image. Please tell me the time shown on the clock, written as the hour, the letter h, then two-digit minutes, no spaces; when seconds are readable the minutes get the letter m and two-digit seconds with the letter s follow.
4h06
